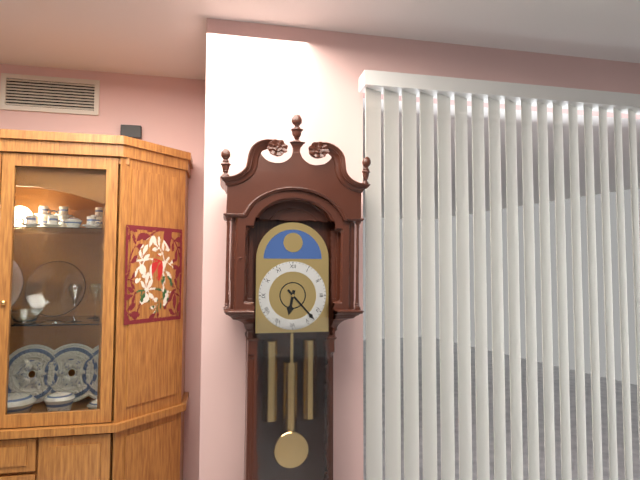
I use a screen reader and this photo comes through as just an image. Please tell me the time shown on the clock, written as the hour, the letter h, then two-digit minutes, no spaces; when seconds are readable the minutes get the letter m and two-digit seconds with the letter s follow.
6h23
